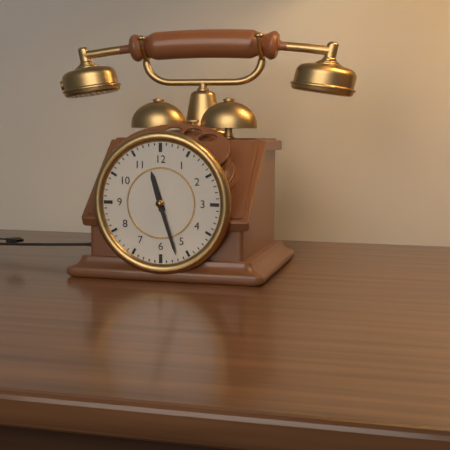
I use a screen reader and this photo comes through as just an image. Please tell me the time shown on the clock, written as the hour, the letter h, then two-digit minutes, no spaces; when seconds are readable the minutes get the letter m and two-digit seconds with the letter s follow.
11h27
